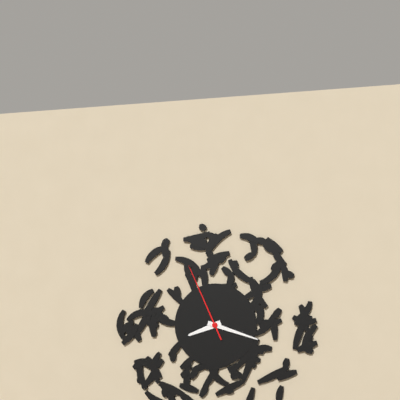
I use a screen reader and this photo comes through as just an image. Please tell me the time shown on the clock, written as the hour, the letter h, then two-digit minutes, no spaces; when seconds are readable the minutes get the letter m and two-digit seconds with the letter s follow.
8h18m56s
